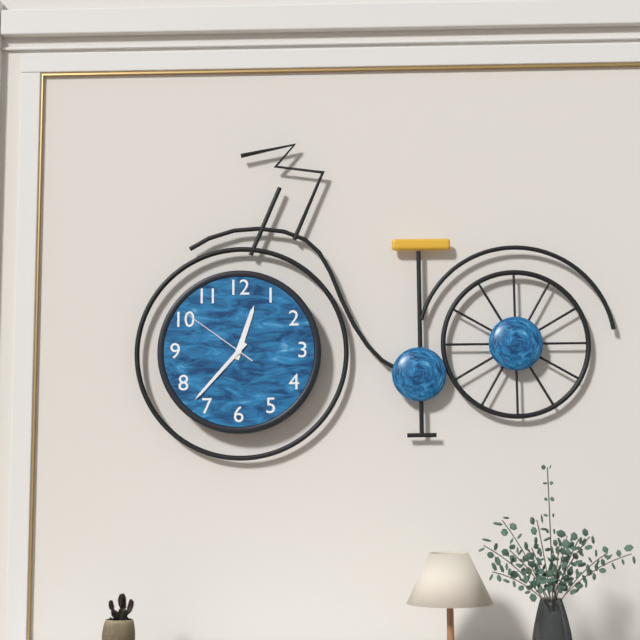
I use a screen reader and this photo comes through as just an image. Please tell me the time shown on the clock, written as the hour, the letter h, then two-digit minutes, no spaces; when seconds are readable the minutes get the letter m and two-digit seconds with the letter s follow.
12h37m51s
